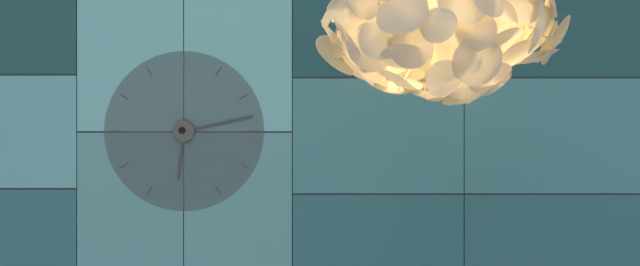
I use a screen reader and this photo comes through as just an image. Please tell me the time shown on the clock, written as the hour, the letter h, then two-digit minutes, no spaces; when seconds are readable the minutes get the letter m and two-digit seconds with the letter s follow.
6h13
